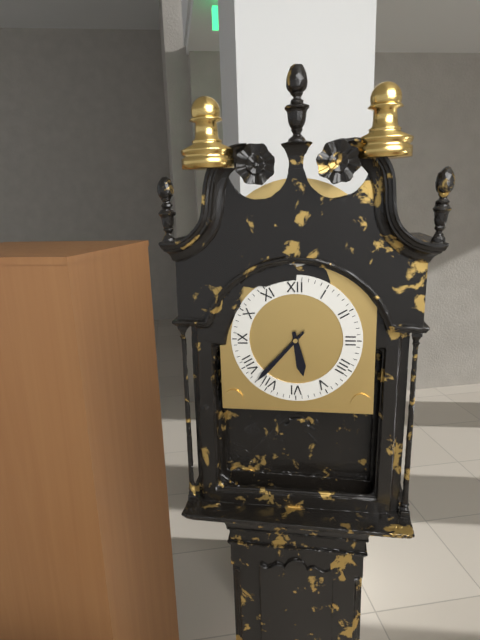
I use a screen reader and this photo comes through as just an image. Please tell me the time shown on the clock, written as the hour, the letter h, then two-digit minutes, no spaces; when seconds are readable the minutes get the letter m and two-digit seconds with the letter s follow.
5h37
